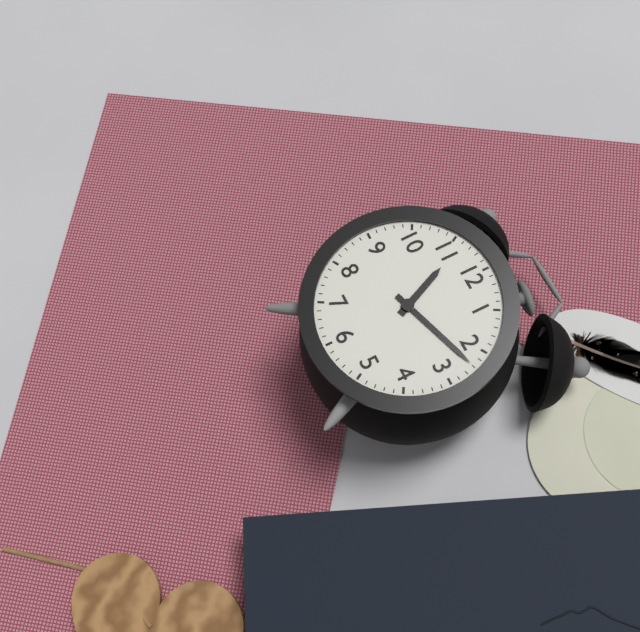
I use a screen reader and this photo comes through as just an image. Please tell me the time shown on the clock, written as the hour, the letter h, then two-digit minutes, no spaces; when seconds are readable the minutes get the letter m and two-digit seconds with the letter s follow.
11h12
